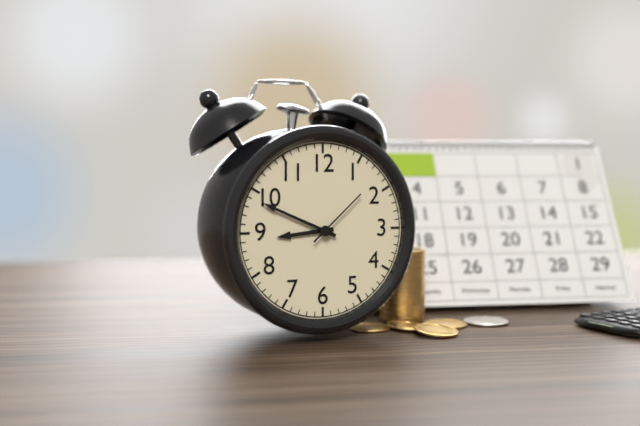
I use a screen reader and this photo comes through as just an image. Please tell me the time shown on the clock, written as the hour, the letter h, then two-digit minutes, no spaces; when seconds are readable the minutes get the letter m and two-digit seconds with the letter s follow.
8h49m08s
